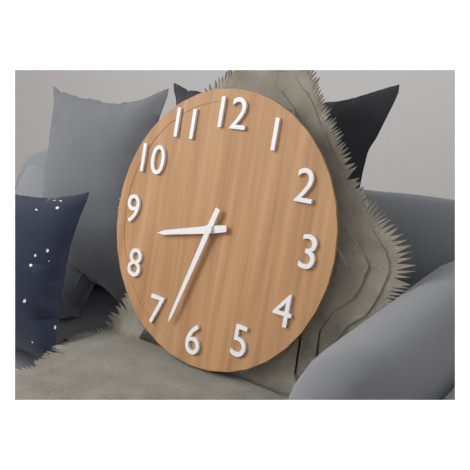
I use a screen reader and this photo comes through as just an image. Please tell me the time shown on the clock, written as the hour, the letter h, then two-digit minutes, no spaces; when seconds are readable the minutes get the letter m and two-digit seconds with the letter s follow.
8h33
